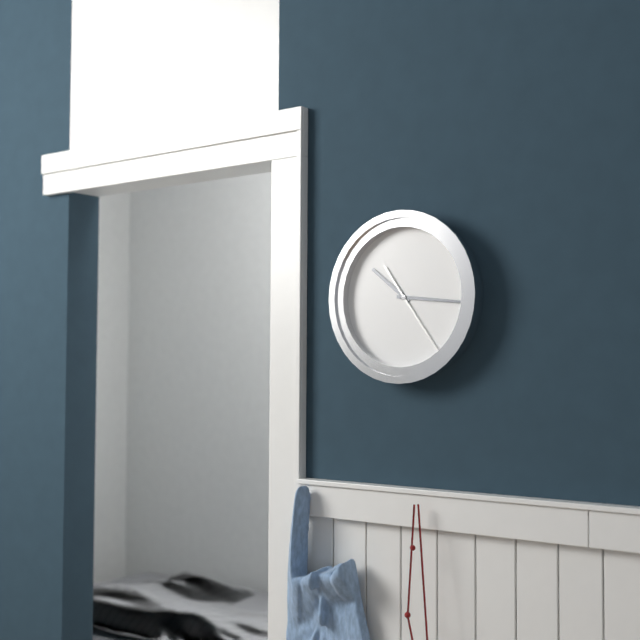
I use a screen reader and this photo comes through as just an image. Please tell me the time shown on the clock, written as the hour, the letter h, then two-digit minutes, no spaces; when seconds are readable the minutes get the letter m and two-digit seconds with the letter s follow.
10h16m24s
